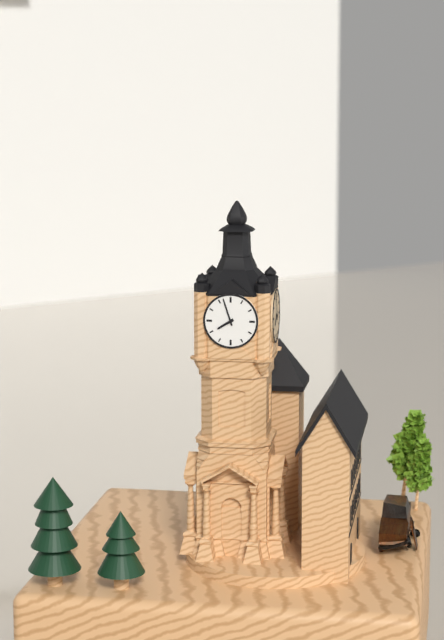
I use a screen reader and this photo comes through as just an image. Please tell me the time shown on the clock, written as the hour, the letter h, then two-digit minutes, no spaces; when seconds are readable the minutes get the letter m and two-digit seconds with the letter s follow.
7h57
